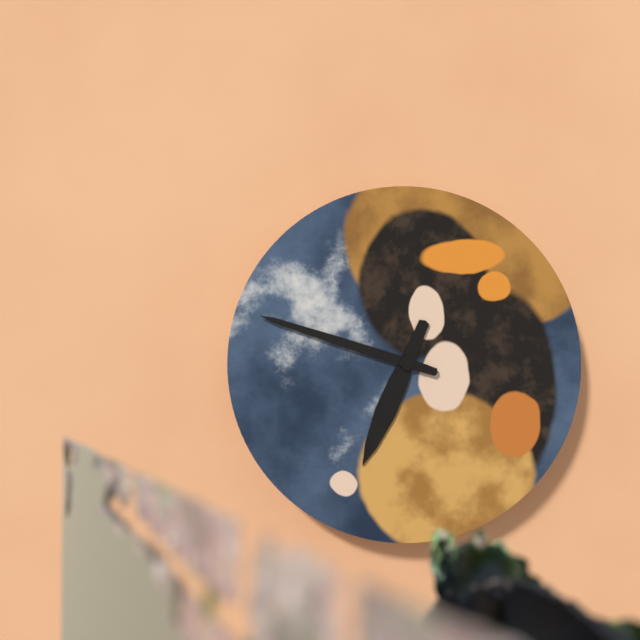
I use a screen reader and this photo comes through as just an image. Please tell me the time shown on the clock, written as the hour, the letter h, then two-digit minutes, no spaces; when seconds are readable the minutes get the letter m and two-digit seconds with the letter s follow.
6h48
